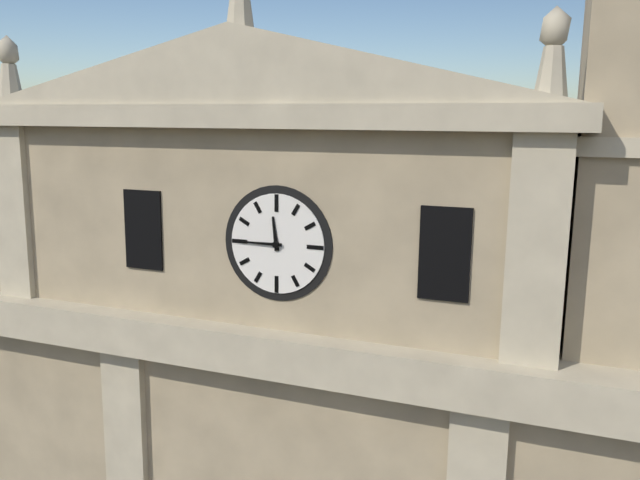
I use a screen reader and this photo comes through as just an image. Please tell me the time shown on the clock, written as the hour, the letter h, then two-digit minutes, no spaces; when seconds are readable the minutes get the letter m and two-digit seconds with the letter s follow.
11h45
